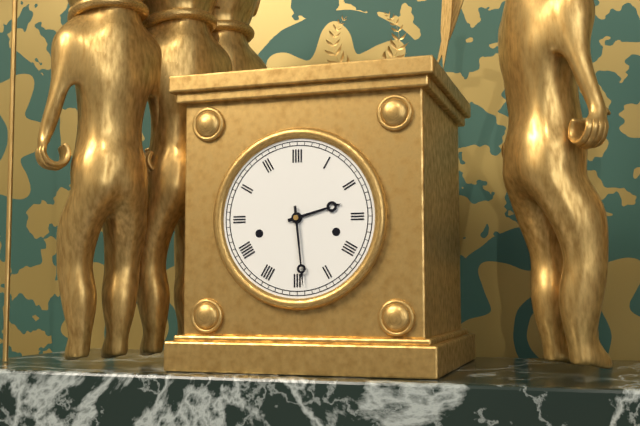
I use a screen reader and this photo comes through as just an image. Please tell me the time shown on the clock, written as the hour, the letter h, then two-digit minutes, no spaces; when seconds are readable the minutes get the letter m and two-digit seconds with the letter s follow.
2h29
